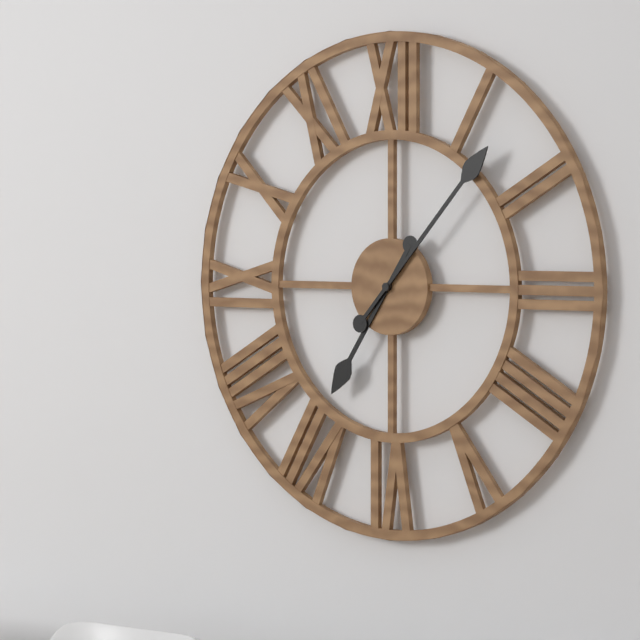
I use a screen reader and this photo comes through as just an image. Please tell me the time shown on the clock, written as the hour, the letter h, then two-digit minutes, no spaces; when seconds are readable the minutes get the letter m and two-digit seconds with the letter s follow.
7h07
